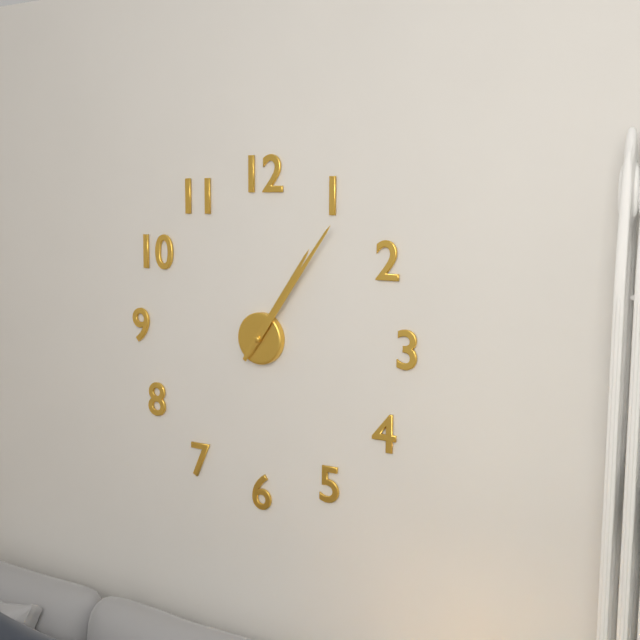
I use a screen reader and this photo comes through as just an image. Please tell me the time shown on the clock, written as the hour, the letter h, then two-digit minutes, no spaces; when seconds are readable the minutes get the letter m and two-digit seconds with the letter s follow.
1h06
